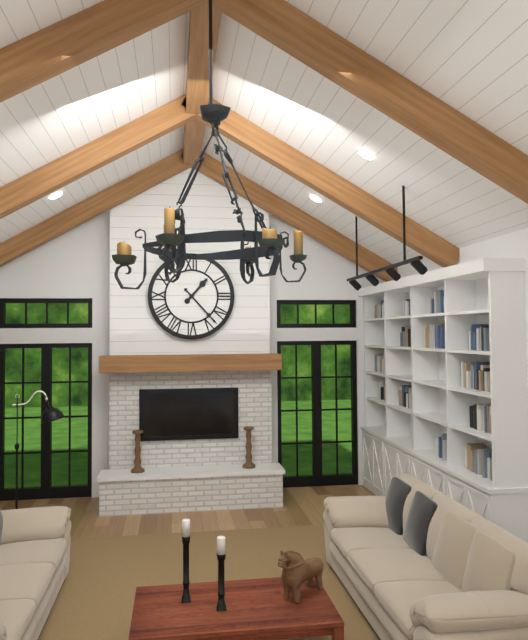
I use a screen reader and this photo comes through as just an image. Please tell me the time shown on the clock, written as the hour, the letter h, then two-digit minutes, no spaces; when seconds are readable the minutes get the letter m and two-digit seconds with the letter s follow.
1h23
